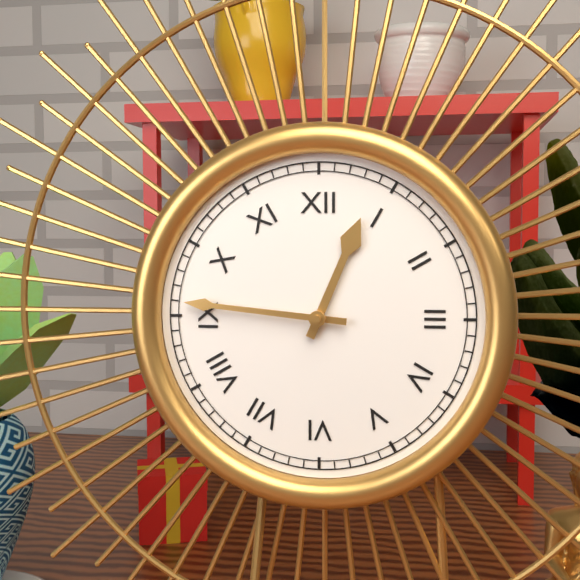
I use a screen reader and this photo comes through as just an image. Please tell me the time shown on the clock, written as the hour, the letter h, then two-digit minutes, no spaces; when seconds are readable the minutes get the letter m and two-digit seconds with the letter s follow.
12h46
